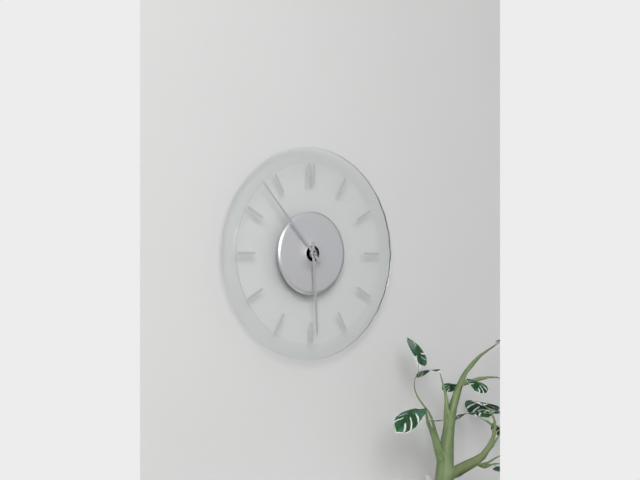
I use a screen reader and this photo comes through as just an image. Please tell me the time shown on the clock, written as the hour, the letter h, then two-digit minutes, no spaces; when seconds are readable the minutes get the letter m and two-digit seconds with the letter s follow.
5h53
